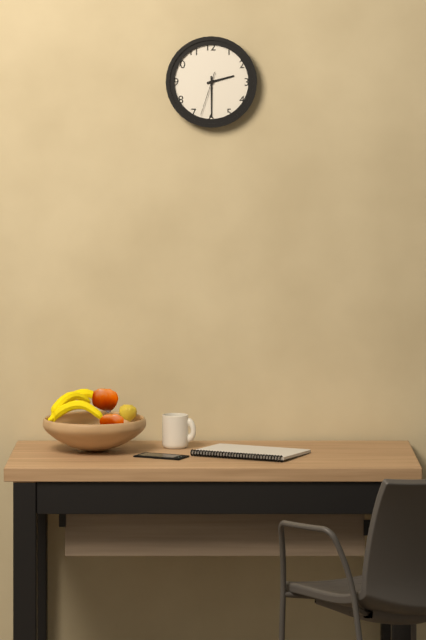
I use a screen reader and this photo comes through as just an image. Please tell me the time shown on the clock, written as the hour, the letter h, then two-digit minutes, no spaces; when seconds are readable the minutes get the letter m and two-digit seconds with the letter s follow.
2h30
